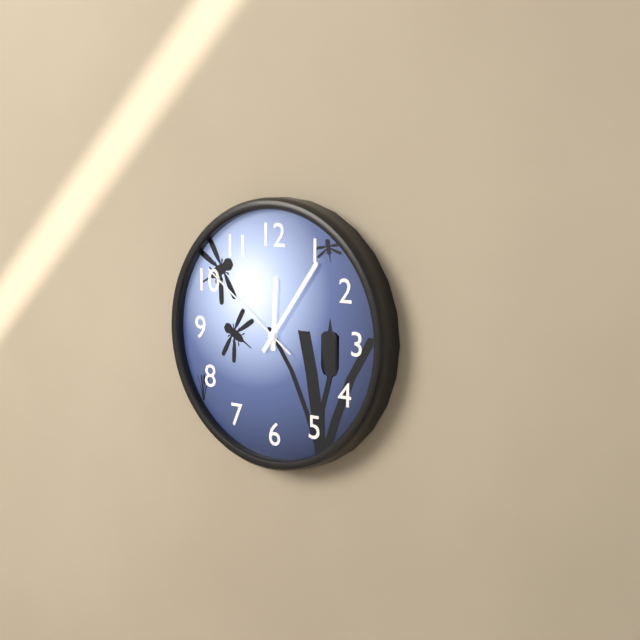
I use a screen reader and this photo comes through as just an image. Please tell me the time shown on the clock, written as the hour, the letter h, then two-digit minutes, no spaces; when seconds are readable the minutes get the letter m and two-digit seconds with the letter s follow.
12h06m51s
